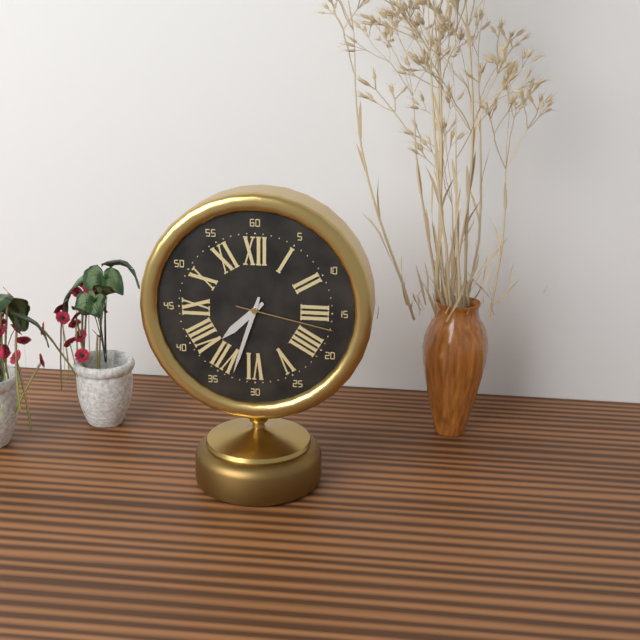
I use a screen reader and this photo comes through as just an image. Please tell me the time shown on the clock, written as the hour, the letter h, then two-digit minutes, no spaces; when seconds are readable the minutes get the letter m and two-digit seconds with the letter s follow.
7h33m17s
